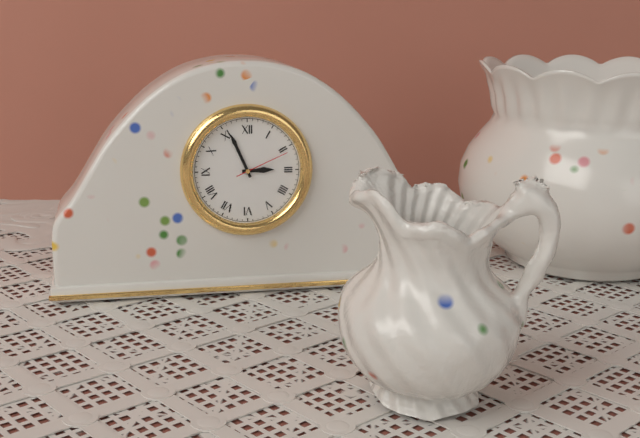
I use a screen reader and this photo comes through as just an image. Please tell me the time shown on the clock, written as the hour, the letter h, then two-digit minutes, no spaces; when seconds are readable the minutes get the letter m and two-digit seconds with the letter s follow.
2h56m11s
